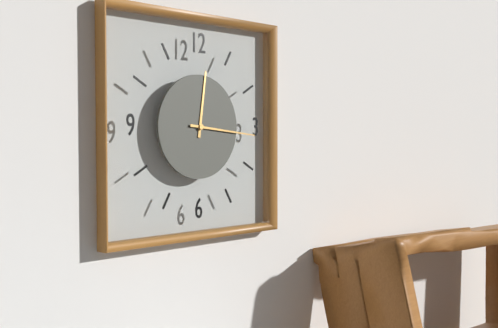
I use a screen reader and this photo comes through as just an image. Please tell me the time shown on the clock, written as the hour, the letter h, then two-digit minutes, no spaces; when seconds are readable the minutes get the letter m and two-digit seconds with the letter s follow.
12h16
